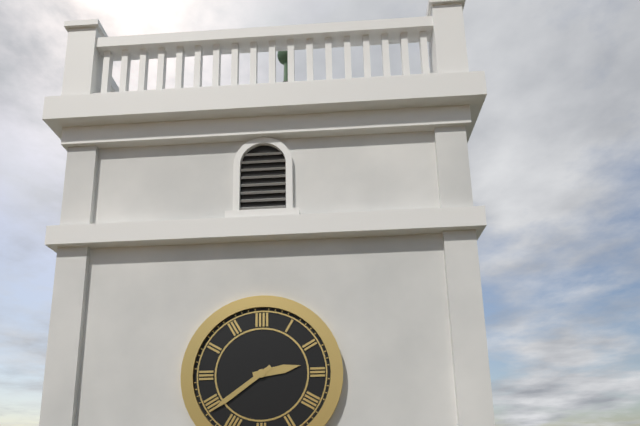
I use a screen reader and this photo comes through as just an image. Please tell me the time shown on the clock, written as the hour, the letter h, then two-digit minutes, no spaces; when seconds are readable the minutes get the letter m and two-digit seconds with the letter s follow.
2h39
